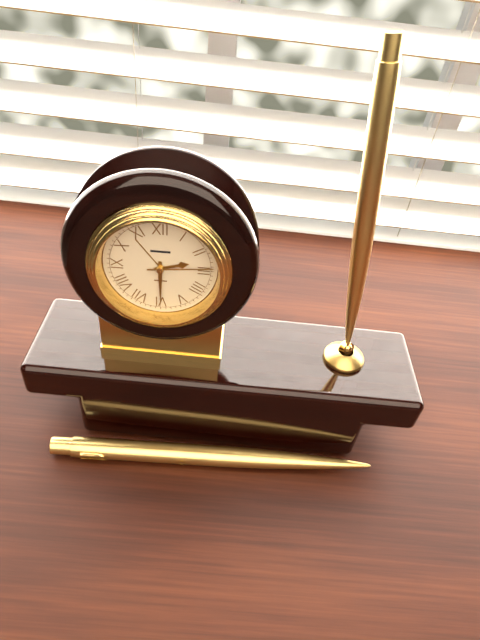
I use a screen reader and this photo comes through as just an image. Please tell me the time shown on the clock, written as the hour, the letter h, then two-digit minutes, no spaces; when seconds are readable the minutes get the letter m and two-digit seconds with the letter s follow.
2h30m14s
